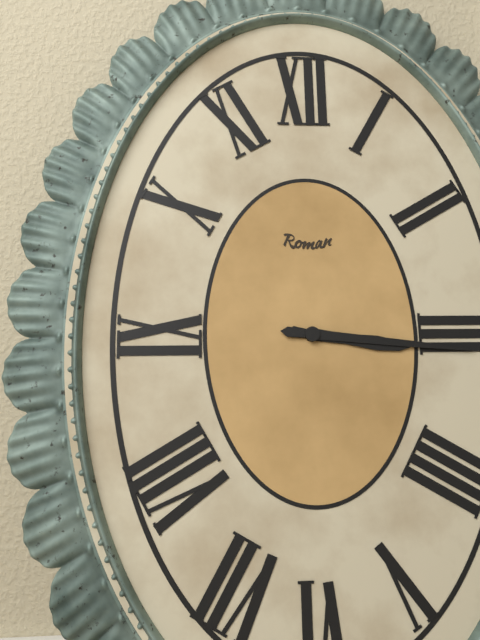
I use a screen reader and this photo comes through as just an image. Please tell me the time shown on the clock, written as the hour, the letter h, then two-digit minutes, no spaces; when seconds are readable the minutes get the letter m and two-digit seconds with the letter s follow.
3h16
